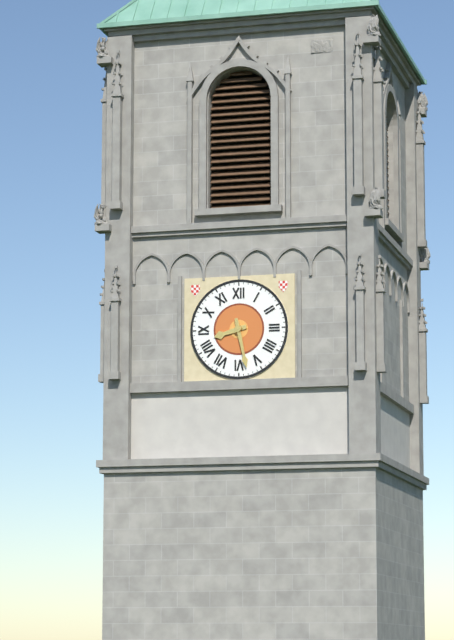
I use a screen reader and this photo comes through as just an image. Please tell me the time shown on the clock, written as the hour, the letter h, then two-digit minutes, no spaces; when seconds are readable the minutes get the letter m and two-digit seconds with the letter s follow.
8h28
